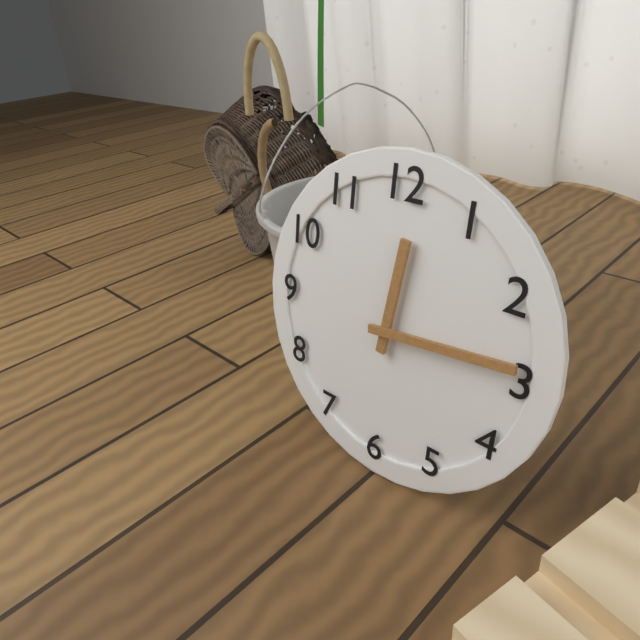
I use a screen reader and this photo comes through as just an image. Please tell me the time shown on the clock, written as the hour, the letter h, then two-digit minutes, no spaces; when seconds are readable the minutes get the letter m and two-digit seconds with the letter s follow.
12h14
